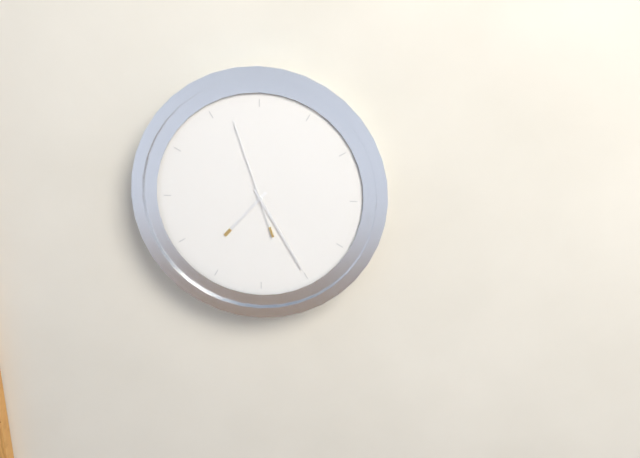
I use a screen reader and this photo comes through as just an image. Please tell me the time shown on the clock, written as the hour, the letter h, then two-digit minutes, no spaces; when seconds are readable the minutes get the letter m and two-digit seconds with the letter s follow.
7h25m57s
